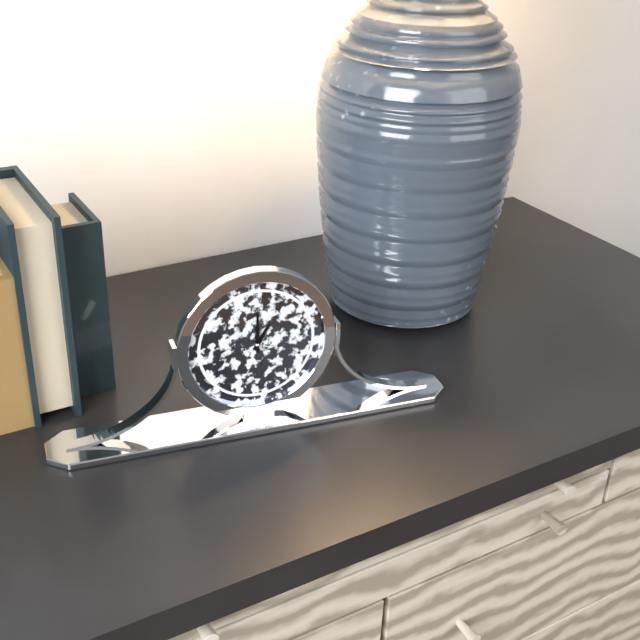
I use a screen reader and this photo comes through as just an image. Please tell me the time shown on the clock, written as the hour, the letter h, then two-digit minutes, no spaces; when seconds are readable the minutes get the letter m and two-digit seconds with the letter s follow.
1h00
